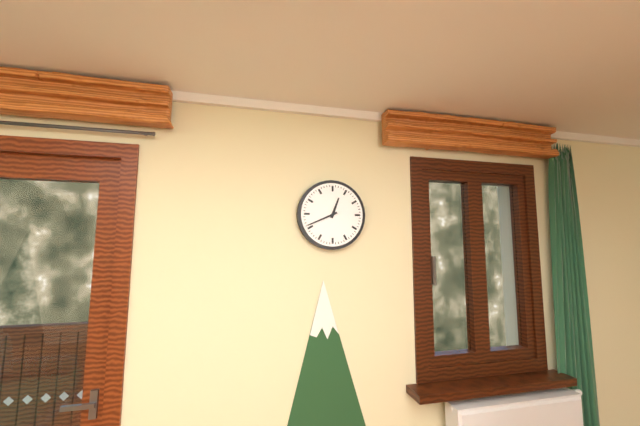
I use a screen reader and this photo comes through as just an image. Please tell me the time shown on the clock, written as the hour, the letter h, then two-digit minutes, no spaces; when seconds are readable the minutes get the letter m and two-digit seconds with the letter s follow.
12h41
